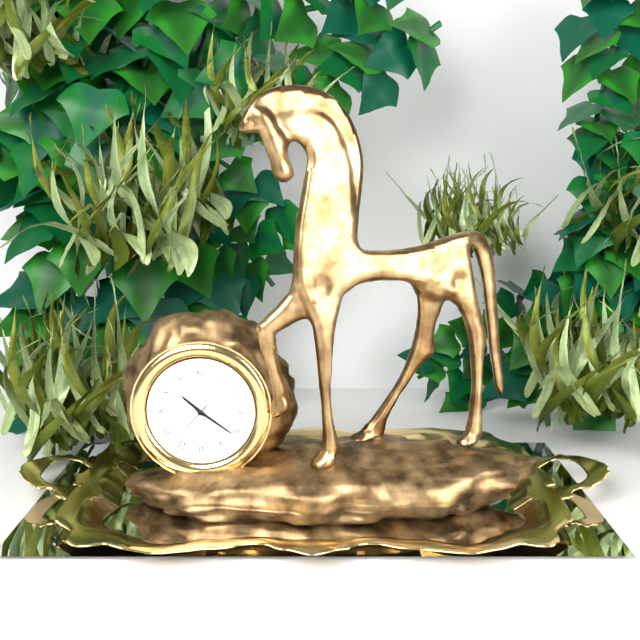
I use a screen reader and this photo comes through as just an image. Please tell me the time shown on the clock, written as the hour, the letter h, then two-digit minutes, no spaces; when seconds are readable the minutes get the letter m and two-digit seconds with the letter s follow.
10h21m37s
